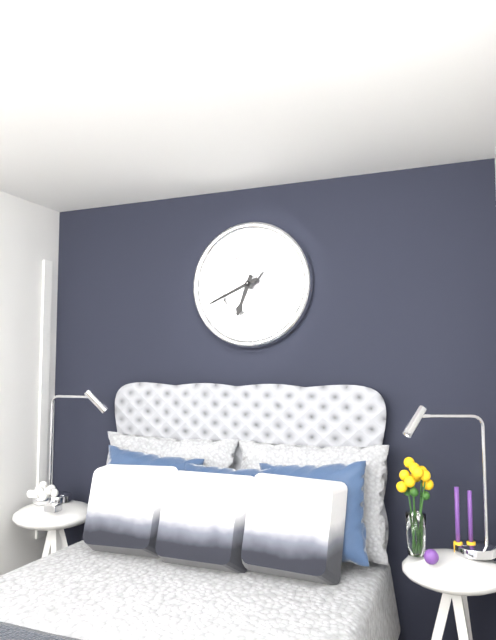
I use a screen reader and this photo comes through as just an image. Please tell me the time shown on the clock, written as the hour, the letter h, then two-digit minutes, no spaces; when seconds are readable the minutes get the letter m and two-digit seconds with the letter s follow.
6h41
